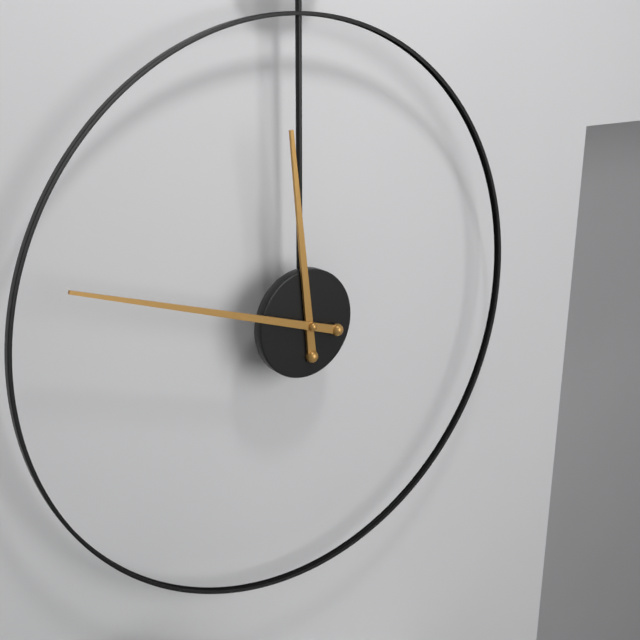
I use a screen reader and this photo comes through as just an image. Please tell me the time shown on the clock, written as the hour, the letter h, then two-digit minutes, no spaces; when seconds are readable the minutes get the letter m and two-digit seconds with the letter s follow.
11h48
